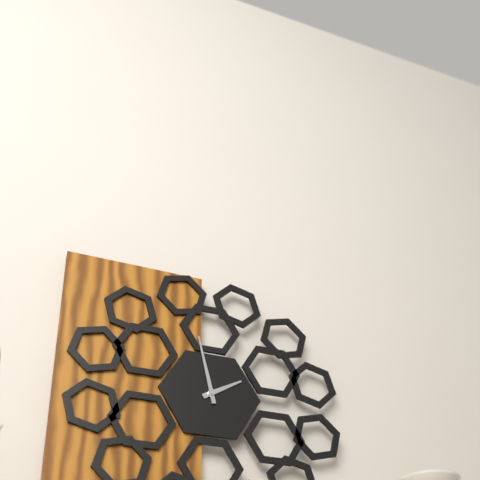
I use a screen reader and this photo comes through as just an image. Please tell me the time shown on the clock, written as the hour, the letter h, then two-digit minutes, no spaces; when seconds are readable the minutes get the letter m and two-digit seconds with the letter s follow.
1h58
